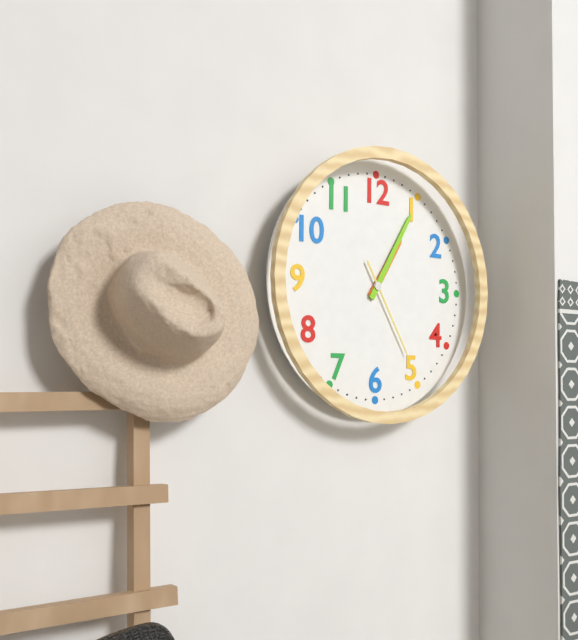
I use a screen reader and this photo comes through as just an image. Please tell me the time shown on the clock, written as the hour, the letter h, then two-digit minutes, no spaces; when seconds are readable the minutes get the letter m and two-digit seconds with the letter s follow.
1h05m25s
